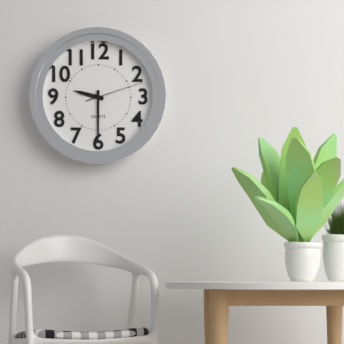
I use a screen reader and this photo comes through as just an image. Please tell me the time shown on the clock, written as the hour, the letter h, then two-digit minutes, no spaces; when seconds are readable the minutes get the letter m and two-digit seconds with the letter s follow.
9h30m12s
